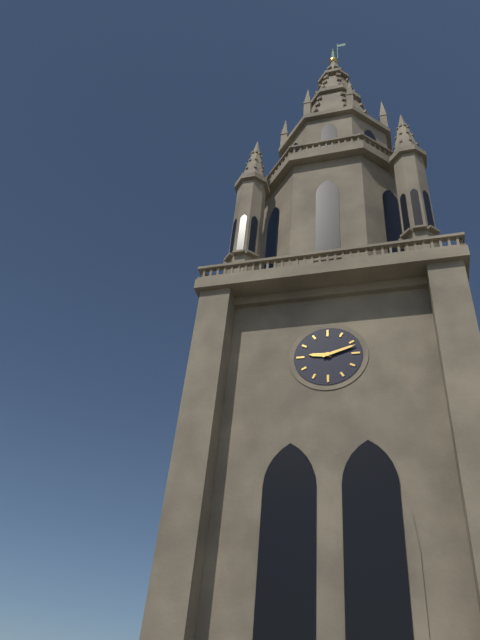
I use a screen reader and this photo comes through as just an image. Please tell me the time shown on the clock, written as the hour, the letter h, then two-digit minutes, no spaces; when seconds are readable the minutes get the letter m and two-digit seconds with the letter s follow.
9h12
